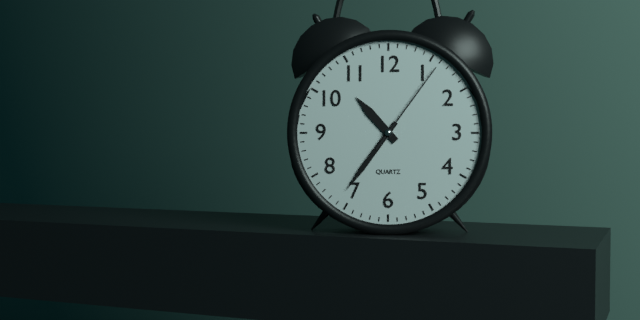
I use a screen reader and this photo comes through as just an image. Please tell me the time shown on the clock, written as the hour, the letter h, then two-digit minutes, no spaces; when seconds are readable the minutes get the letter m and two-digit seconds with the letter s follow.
10h36m06s
